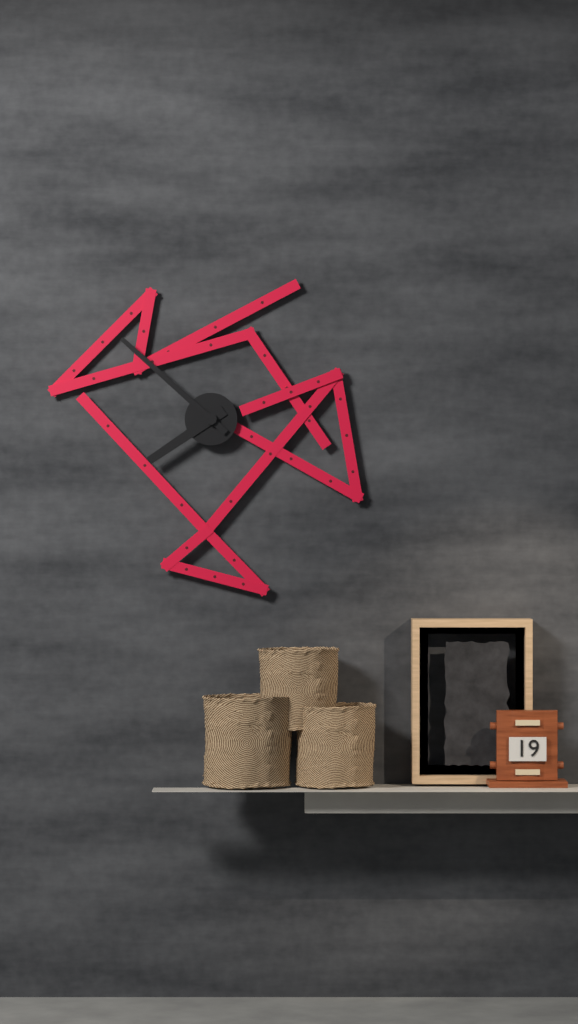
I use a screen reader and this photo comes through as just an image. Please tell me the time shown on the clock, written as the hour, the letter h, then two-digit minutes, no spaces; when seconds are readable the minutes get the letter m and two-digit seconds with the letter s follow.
7h52
